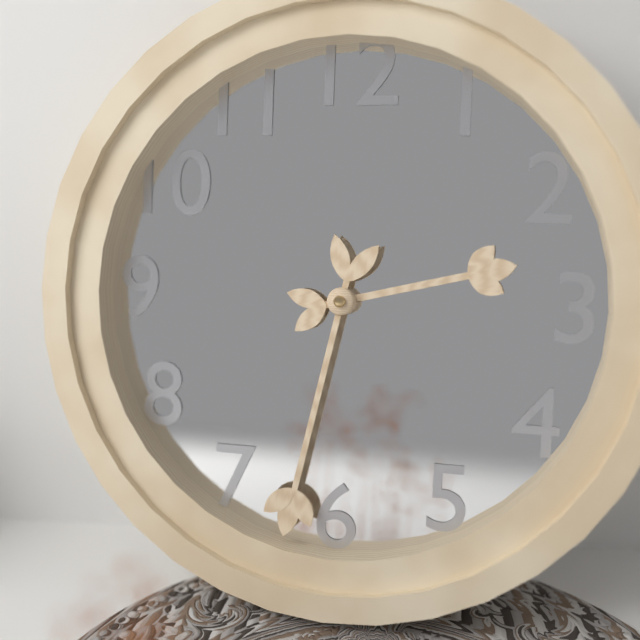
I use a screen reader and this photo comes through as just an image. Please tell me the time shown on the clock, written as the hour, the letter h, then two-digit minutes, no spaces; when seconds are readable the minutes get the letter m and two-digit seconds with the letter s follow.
2h32
